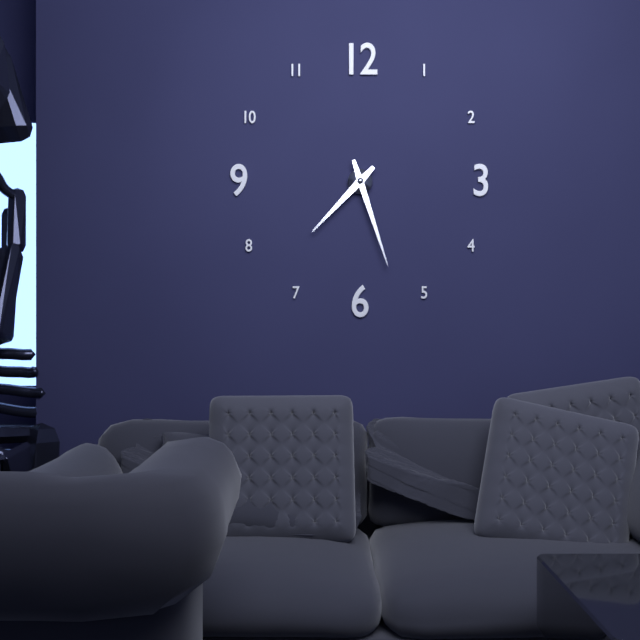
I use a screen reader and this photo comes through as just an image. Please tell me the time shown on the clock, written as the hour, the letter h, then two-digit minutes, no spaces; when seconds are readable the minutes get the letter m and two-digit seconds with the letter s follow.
7h27
